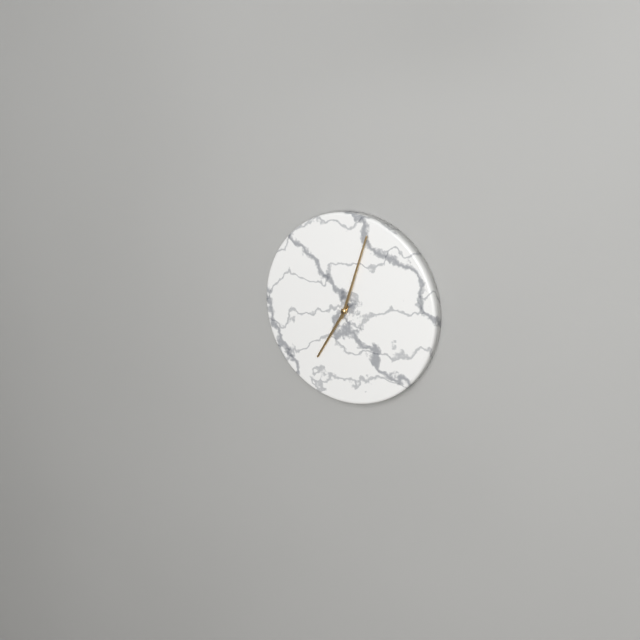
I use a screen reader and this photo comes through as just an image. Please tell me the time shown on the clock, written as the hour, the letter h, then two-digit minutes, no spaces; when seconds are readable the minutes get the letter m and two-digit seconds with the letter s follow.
7h03
